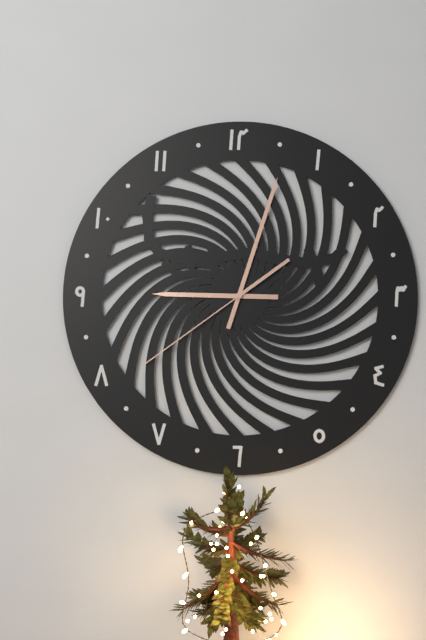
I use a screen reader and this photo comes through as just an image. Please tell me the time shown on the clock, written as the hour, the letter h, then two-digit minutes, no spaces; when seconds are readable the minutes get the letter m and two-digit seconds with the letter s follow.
9h03m39s
